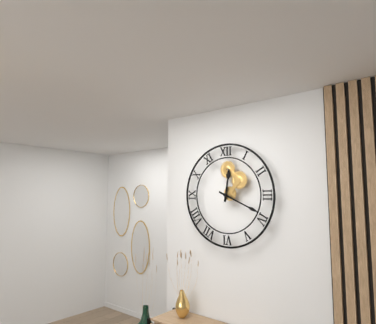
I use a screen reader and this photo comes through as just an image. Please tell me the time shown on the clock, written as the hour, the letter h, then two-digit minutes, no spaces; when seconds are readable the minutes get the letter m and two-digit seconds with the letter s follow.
12h19
